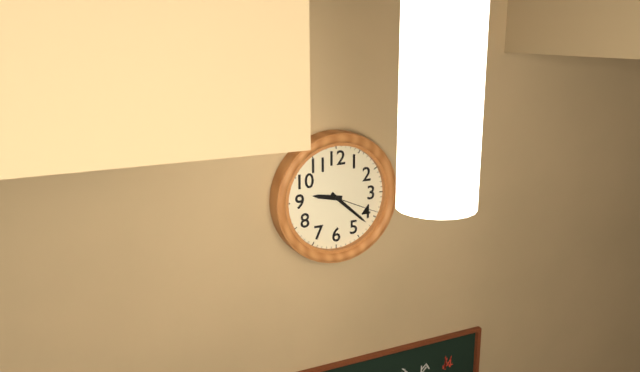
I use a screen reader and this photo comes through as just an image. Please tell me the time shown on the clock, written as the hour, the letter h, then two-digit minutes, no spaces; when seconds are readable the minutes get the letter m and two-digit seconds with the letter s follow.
9h22m19s
